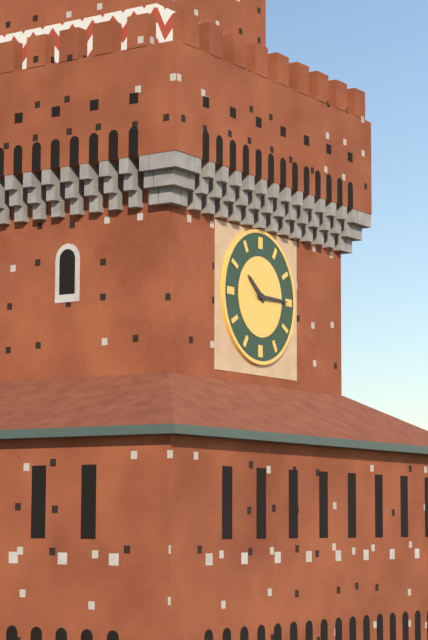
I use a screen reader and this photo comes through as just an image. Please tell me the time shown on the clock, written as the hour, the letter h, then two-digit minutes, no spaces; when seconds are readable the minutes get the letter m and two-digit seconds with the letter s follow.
10h15
